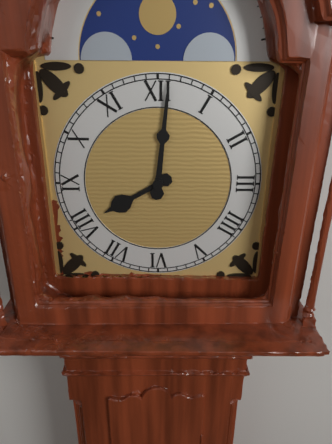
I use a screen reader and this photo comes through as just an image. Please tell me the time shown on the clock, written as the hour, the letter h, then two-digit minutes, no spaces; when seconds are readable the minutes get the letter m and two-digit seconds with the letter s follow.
8h01
